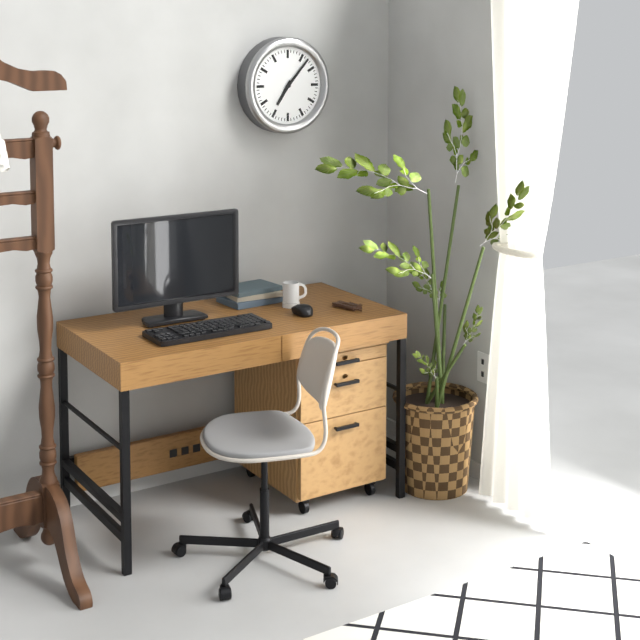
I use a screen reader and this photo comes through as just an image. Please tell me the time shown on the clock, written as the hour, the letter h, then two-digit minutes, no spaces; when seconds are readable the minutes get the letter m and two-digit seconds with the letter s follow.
7h07
